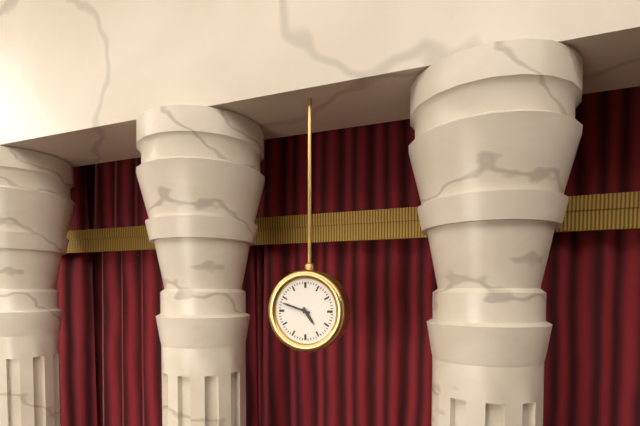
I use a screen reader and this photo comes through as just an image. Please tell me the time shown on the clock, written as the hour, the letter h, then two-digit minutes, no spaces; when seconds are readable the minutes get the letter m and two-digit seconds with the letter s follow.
4h48
